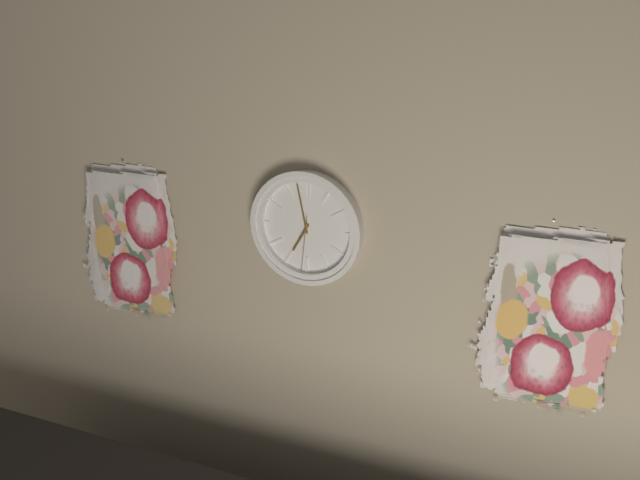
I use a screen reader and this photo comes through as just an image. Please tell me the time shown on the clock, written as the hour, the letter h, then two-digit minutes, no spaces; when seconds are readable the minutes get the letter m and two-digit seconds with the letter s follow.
6h58m31s
